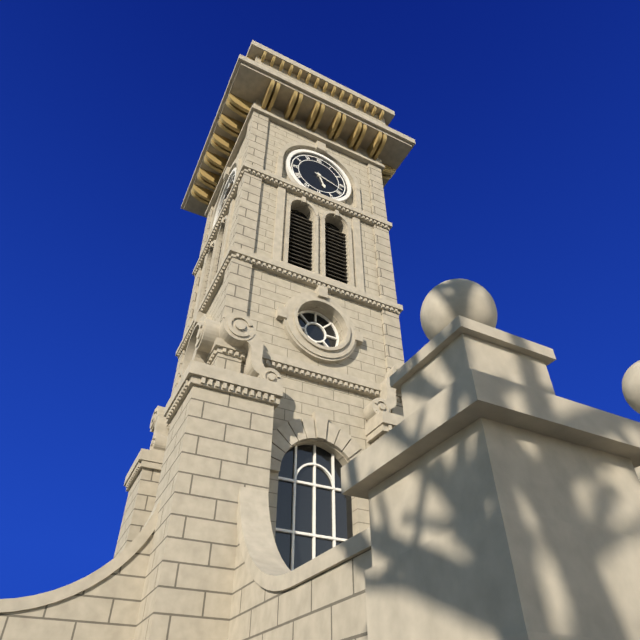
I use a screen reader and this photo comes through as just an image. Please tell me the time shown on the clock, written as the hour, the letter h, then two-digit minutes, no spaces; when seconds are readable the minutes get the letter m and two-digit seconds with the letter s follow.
5h18
